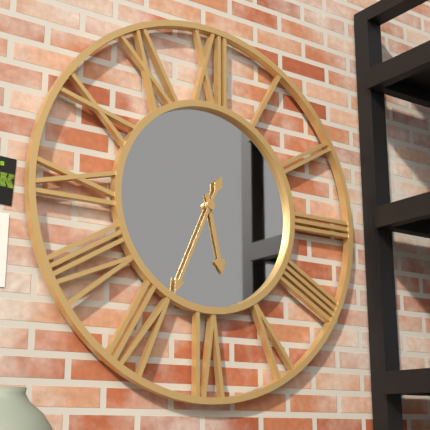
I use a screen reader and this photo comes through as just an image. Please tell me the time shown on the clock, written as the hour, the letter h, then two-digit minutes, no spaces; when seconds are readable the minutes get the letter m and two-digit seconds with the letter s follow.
5h34
